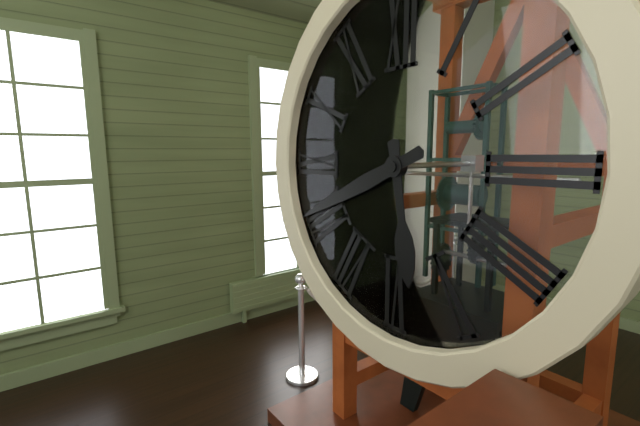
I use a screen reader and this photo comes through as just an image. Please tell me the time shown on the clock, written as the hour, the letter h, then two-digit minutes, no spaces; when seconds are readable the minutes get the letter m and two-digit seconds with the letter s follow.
5h41
